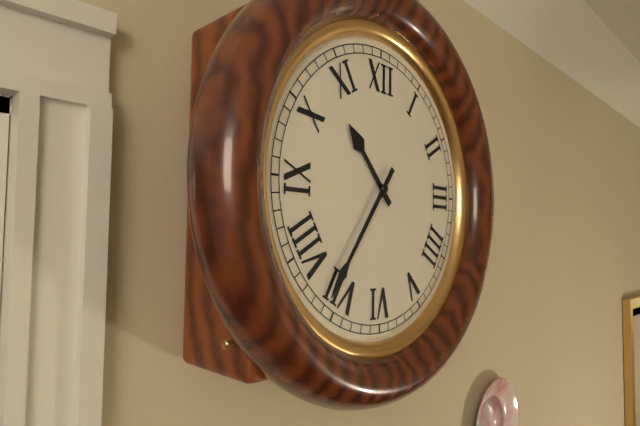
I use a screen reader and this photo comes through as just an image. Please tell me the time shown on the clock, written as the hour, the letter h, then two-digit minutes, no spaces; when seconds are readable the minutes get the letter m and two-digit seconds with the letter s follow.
10h36
